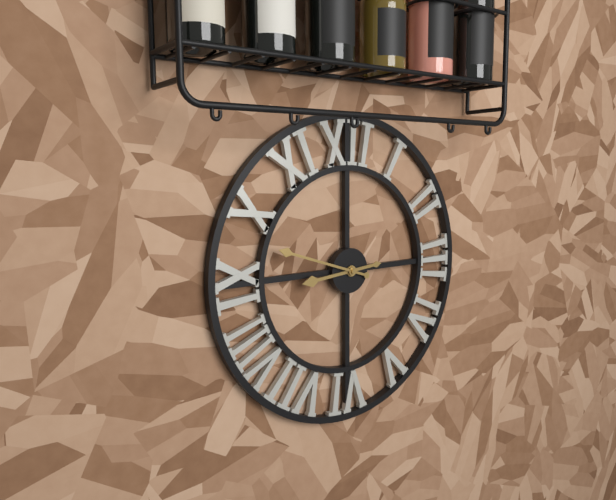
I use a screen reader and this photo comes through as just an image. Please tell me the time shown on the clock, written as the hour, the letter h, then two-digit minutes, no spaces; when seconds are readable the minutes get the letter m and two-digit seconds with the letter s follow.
8h48
